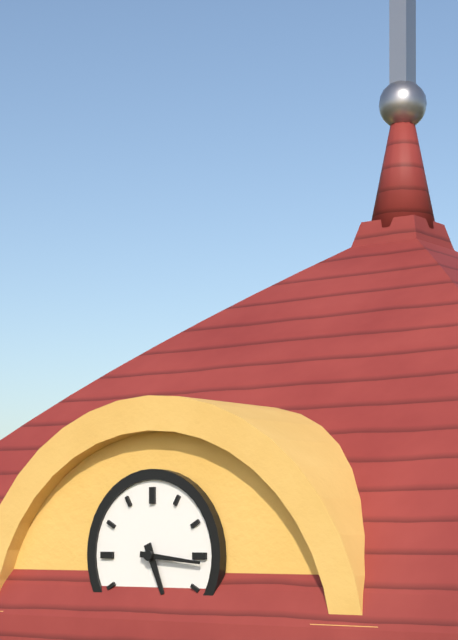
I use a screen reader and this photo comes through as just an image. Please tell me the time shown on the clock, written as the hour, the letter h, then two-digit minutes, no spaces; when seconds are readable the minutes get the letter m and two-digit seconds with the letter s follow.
5h16
